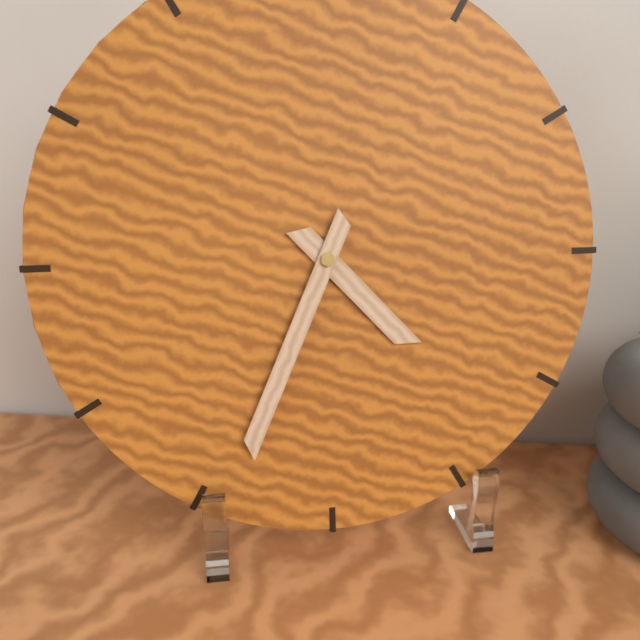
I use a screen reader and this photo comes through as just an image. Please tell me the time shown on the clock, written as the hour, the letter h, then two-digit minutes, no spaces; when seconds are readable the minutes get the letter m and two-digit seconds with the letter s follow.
4h34
